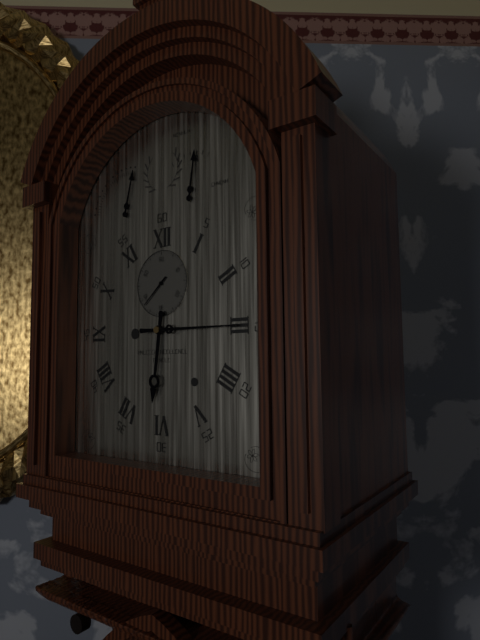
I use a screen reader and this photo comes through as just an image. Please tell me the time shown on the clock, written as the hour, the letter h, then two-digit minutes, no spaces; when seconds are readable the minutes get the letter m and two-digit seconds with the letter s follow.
6h15
